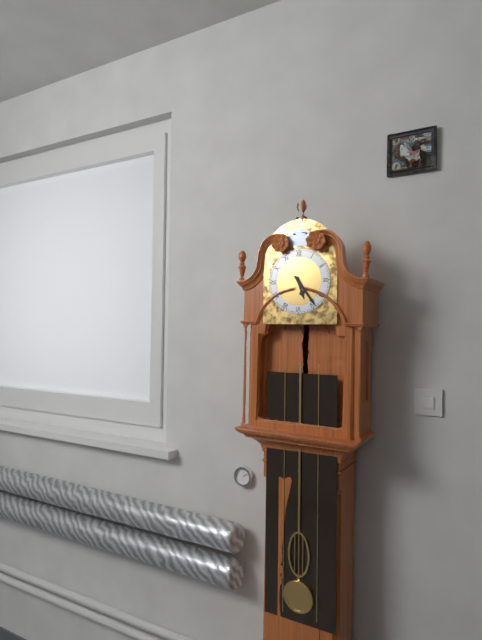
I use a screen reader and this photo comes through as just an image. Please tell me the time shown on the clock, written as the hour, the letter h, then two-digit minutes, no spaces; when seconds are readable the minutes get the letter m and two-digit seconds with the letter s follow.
5h24
